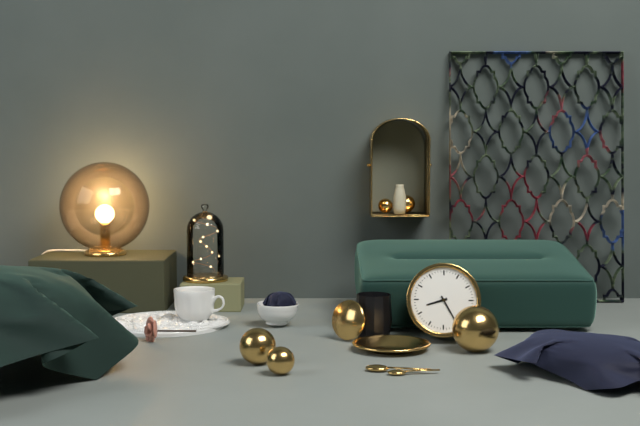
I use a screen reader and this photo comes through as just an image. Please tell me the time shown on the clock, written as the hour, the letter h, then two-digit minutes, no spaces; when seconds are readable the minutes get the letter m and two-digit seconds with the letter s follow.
8h25
